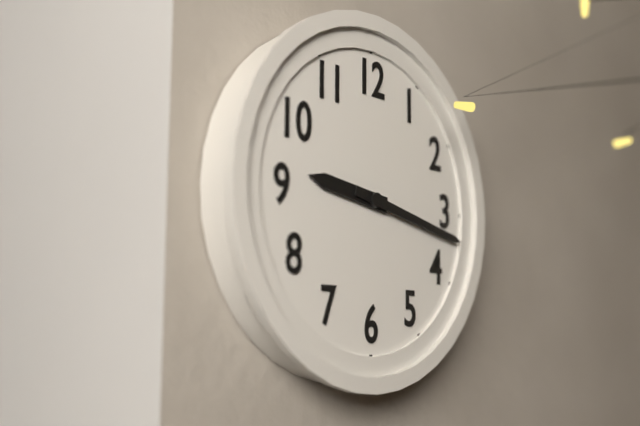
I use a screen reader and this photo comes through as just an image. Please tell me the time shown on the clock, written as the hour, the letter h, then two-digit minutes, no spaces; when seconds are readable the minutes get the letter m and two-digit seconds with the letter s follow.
9h17
